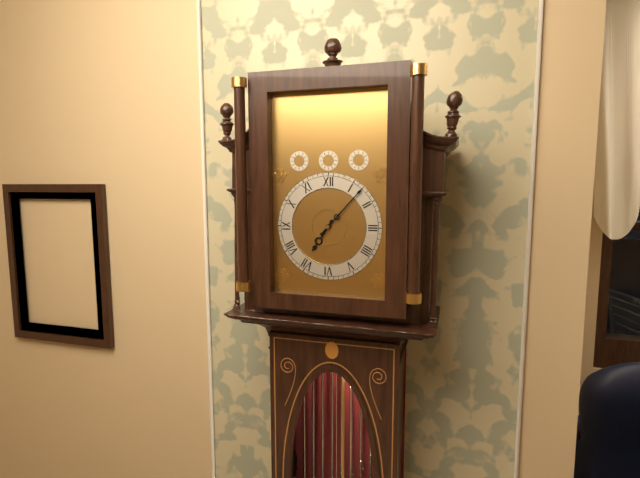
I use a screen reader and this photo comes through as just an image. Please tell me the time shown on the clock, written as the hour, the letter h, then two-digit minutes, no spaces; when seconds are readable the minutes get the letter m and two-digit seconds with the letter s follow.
7h07
